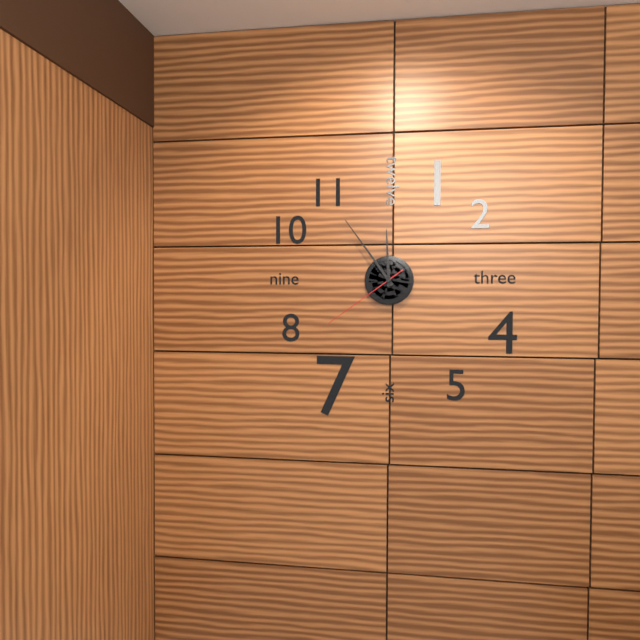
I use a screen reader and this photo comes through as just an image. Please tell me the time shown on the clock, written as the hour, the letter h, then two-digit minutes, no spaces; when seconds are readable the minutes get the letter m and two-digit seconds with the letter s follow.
11h54m39s
